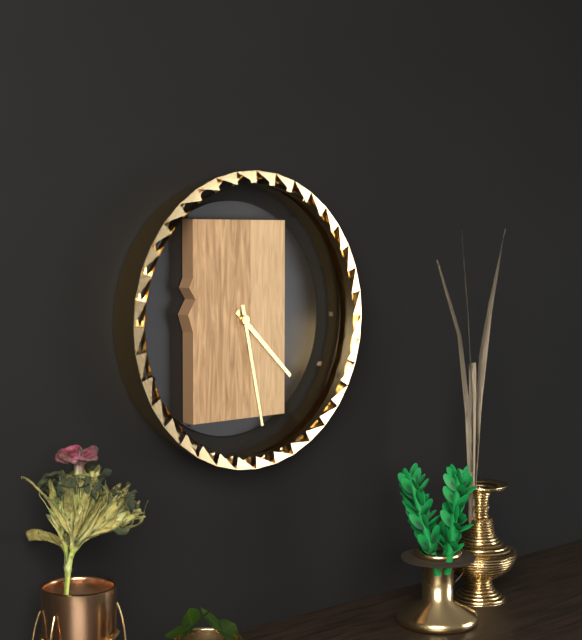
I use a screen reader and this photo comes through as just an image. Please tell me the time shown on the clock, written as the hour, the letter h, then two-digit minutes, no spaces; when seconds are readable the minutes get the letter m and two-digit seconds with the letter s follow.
4h28
